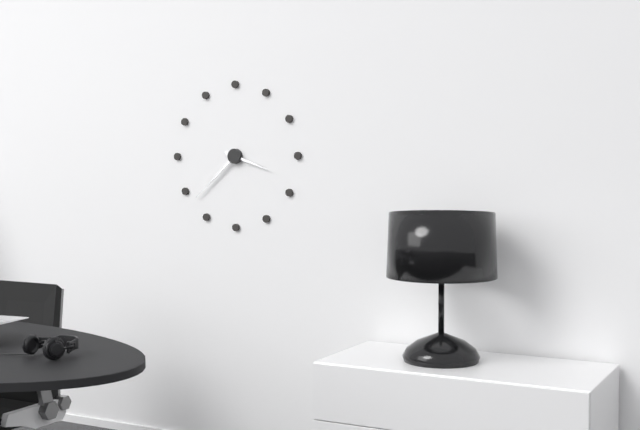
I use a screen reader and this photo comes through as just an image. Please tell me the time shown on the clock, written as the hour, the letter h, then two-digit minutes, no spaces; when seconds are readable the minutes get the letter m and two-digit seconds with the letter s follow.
3h38
